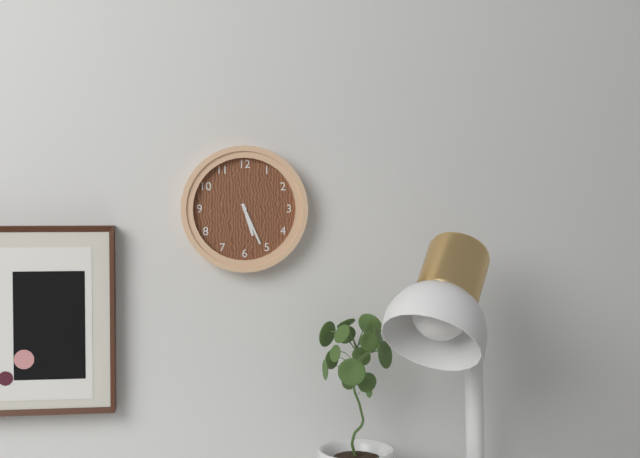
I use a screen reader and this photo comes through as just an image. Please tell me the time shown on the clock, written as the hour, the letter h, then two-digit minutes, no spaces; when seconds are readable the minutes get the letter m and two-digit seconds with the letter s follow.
5h26
